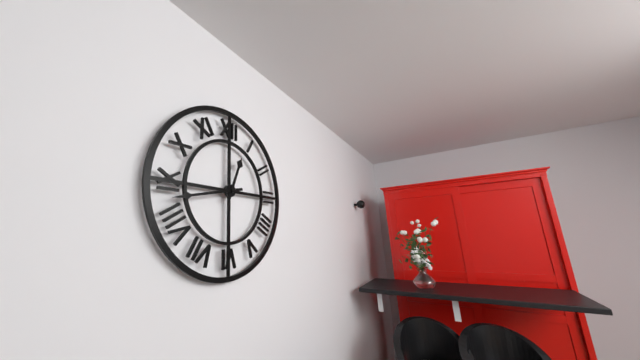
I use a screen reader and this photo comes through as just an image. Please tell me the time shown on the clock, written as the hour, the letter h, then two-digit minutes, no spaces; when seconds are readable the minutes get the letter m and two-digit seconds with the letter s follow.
12h43
